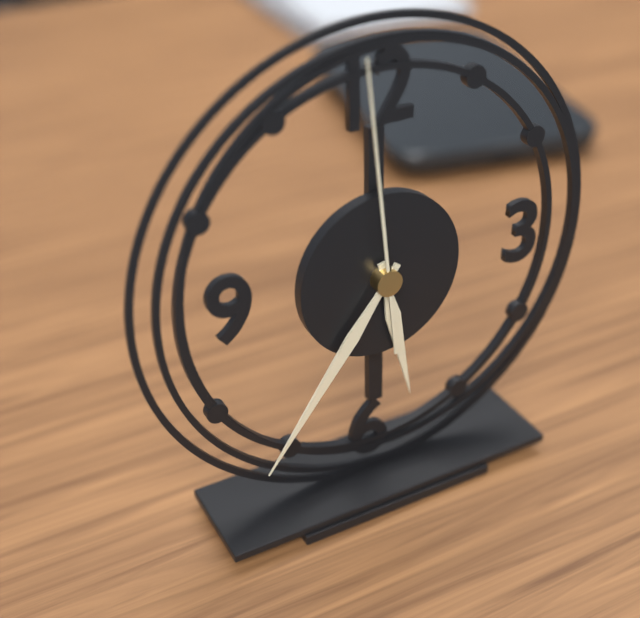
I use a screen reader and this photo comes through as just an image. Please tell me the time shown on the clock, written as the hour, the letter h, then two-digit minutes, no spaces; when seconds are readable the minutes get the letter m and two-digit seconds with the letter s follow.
5h36m59s
